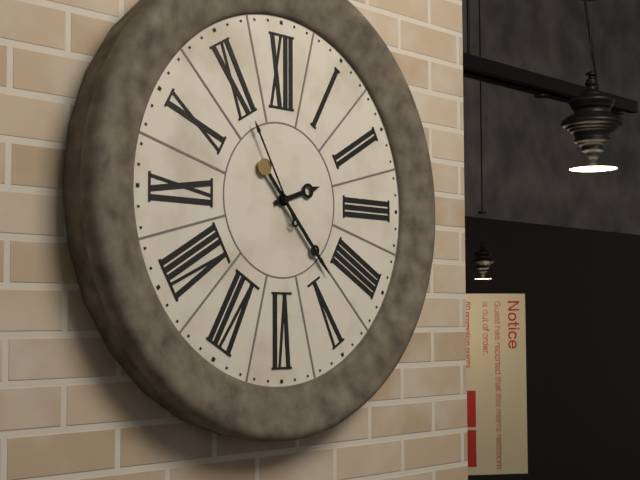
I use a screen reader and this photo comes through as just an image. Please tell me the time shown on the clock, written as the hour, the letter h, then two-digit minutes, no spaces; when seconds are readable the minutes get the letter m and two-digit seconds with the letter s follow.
2h23m55s
